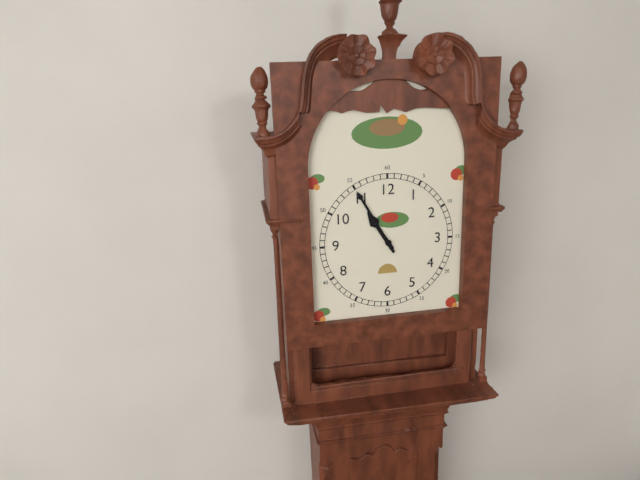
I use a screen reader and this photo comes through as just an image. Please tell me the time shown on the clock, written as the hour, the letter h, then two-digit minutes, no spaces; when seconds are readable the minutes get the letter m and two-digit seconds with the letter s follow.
10h55
